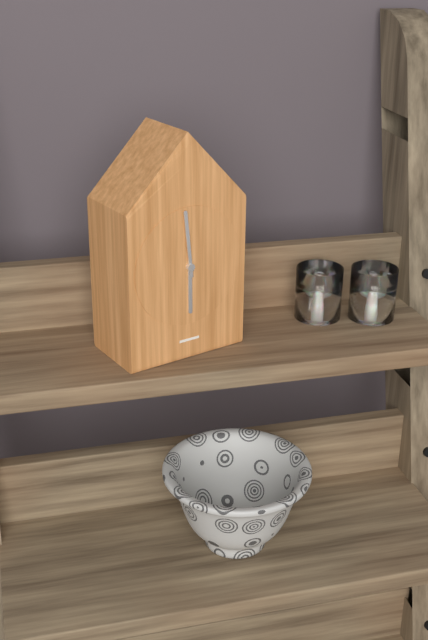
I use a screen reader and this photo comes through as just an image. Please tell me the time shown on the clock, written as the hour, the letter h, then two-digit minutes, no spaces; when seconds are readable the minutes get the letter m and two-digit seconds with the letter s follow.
5h59
